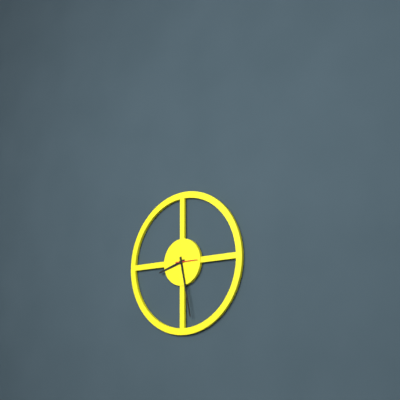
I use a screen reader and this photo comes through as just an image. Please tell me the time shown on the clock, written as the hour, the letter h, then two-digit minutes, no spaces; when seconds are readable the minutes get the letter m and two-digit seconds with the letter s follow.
8h28
